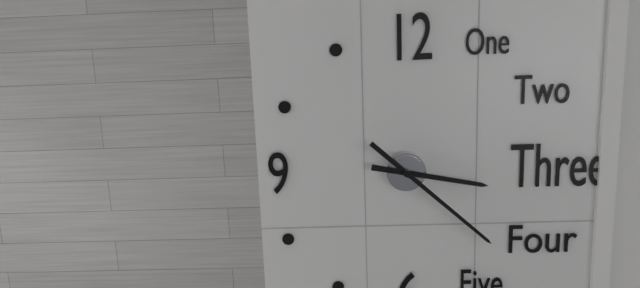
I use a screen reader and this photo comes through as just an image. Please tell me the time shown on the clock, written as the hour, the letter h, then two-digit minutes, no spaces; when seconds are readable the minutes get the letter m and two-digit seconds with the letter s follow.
3h22
